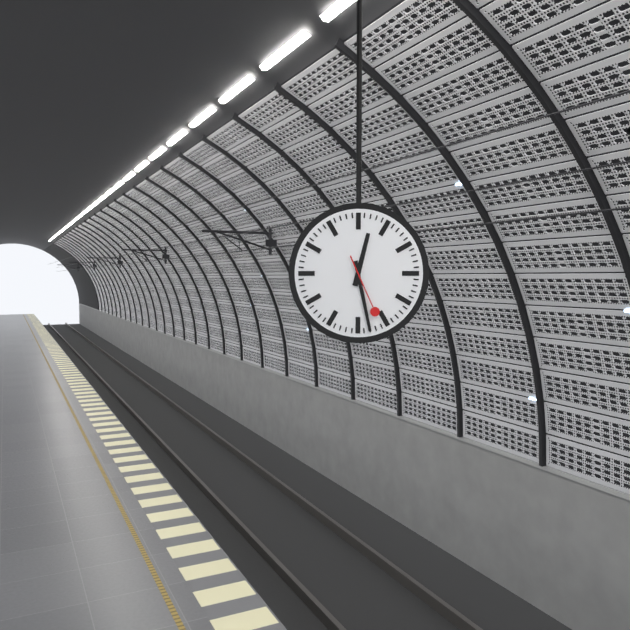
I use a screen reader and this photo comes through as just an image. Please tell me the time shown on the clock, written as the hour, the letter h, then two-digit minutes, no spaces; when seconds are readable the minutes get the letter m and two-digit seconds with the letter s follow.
12h28m26s
